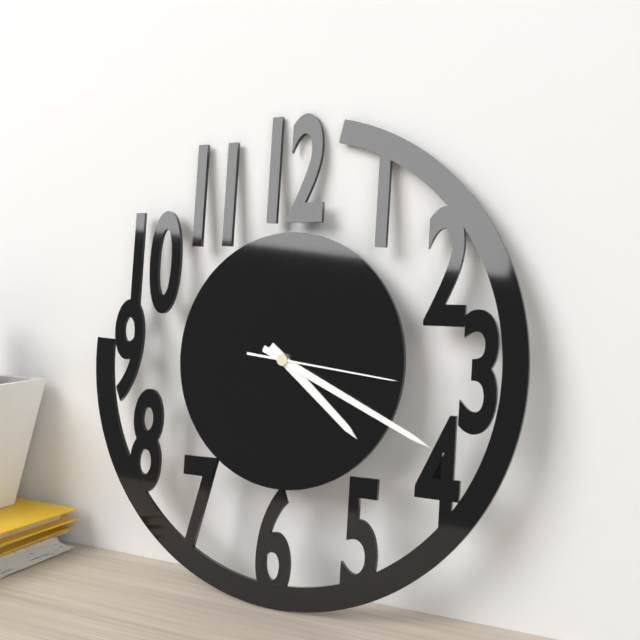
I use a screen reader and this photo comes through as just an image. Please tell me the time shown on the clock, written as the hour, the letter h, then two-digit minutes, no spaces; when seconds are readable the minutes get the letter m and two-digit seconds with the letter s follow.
4h19m16s
